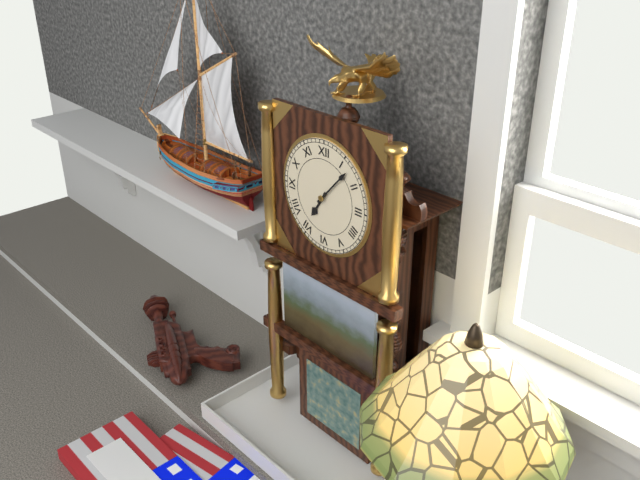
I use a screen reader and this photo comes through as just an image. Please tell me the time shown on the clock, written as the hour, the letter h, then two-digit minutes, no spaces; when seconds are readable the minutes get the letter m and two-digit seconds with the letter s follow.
7h07
